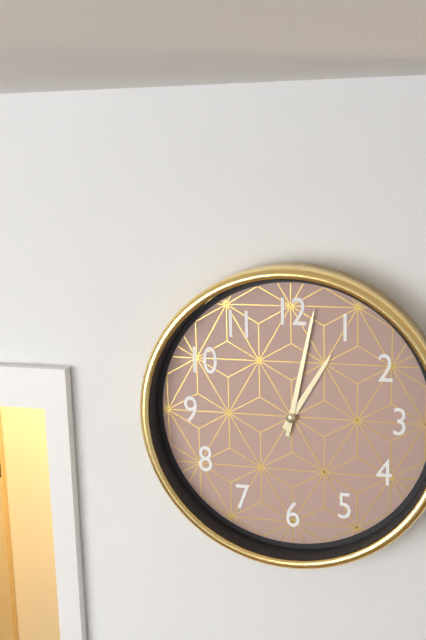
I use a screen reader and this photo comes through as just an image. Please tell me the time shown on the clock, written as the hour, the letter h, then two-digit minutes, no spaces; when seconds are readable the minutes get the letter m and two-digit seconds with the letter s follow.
1h02
